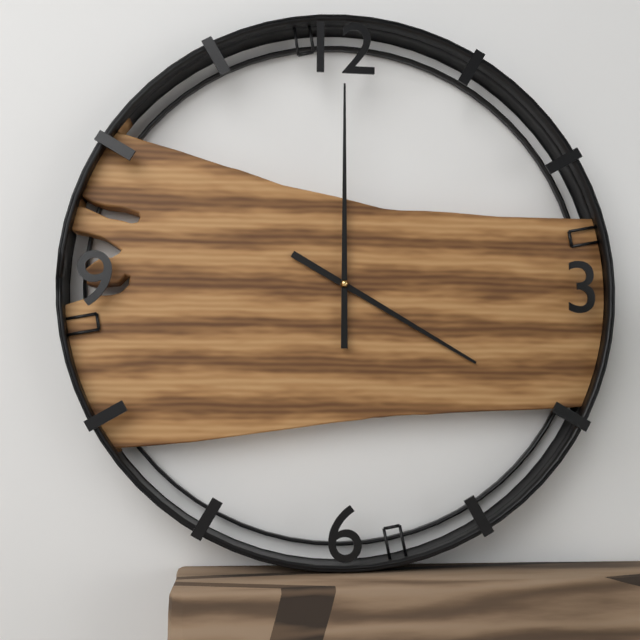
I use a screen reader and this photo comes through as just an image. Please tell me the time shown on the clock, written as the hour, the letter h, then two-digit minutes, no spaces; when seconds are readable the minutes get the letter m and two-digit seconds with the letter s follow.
4h00
